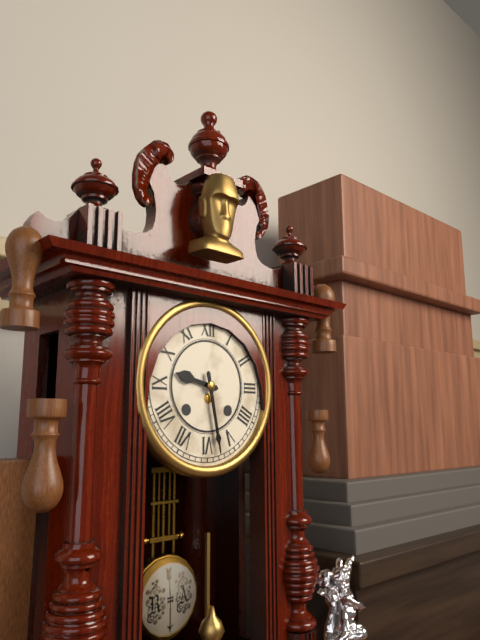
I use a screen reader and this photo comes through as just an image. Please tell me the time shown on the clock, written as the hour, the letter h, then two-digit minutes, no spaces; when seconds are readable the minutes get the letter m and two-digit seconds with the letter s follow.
9h28
